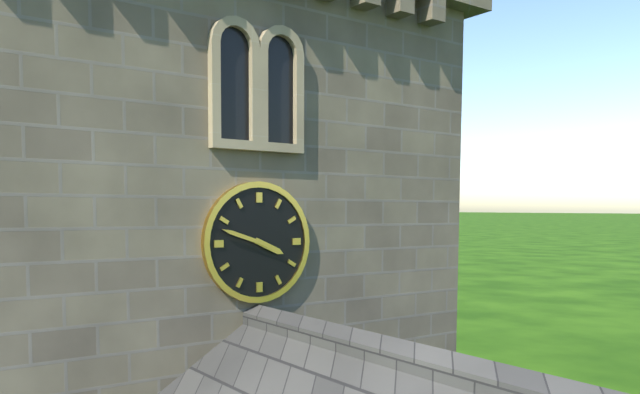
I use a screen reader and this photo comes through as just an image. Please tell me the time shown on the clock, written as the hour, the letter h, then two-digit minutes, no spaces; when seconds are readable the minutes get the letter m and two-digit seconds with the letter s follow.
3h48
